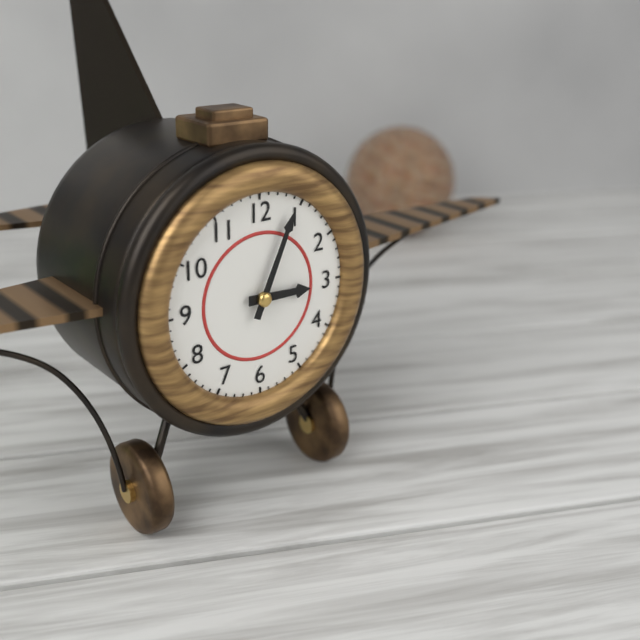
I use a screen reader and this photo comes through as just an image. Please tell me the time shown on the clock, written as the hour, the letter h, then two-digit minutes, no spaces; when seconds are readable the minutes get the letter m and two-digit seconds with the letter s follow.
3h04
